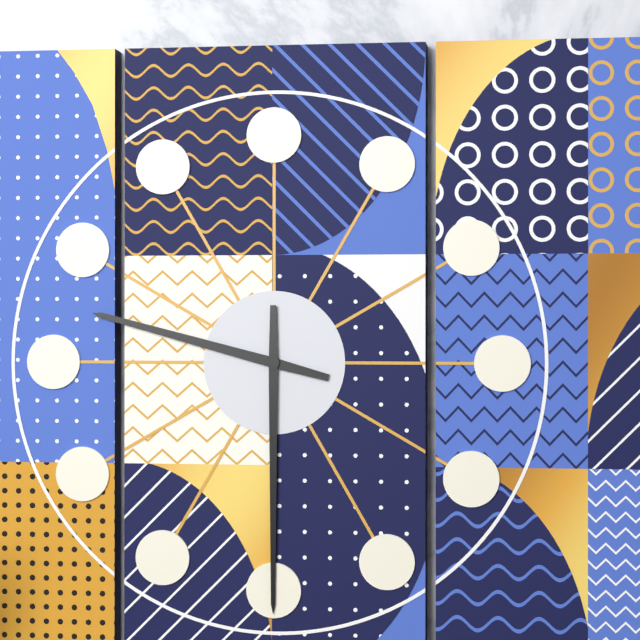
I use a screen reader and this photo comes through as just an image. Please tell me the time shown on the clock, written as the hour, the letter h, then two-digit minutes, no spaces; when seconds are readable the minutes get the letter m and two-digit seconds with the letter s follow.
9h30
